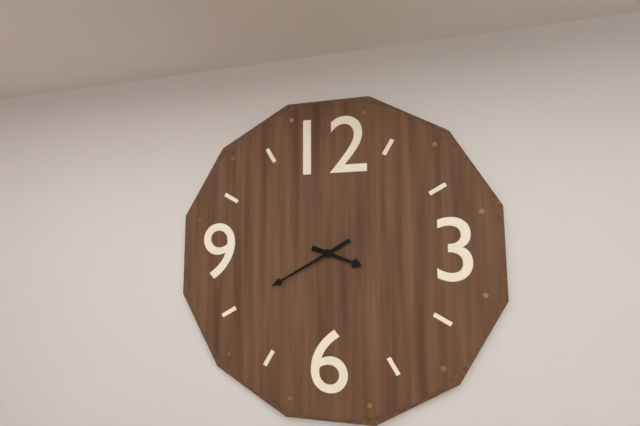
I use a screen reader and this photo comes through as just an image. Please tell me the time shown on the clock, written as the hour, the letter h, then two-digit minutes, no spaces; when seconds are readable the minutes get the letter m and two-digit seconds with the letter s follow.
3h40
